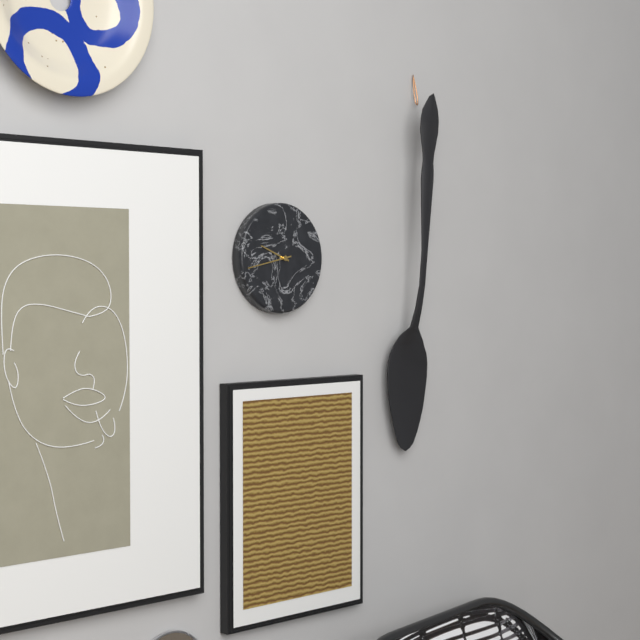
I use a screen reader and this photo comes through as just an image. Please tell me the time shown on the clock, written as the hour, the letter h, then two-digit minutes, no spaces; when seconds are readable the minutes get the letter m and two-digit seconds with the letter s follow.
9h43
